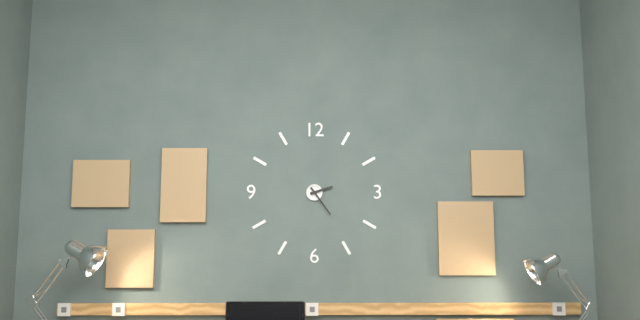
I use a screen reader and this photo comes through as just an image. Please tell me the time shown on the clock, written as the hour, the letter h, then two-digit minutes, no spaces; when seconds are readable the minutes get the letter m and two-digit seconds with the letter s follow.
2h24
